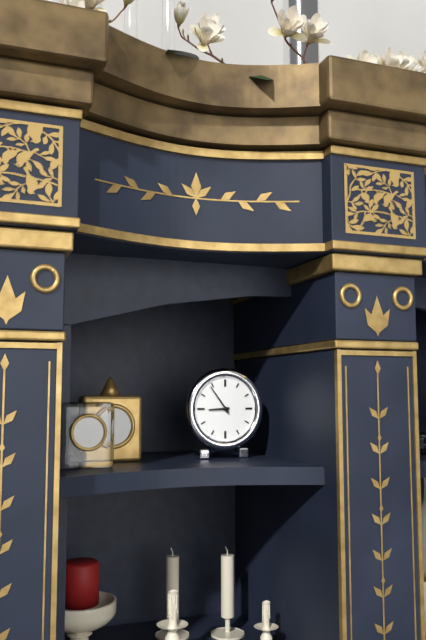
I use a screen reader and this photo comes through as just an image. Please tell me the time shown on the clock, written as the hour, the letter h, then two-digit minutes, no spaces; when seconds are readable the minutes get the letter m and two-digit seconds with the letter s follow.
8h54
